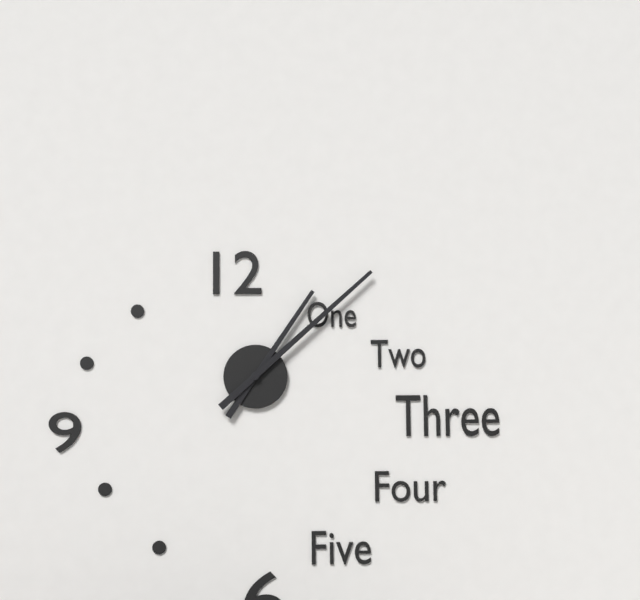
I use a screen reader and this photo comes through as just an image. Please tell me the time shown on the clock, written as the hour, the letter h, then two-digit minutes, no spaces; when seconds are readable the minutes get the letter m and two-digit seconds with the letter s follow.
1h08
